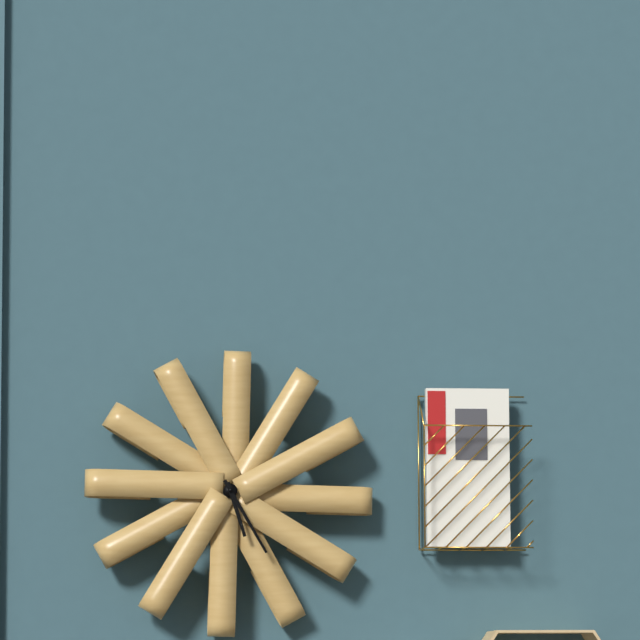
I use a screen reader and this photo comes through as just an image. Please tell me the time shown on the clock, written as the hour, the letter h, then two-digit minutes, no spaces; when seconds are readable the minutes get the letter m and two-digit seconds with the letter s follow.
5h25
